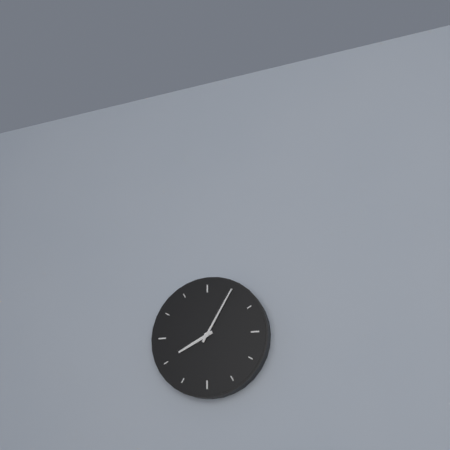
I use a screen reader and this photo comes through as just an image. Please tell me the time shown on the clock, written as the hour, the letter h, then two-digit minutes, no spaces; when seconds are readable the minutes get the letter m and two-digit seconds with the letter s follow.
8h05
